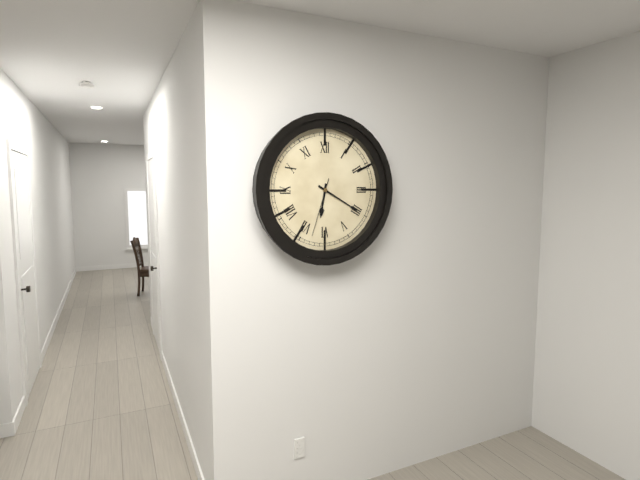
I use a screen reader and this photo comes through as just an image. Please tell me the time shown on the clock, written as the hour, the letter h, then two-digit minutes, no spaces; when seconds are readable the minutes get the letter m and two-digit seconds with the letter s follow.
6h20m33s
